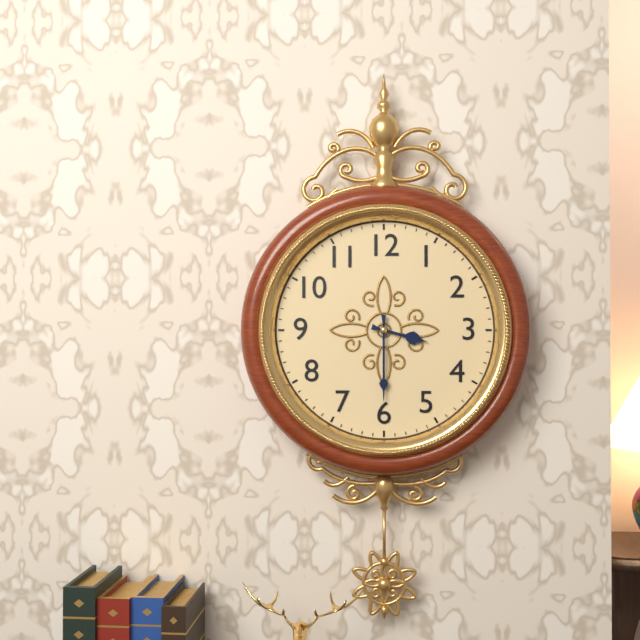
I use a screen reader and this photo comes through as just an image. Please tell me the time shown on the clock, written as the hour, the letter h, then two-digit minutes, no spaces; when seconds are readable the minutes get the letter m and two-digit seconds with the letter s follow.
3h30
